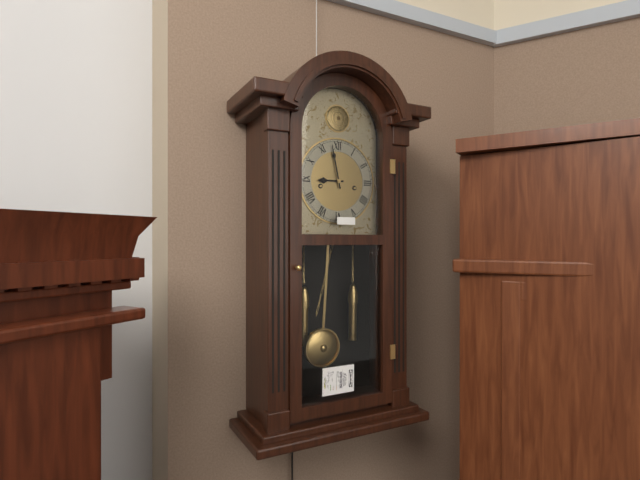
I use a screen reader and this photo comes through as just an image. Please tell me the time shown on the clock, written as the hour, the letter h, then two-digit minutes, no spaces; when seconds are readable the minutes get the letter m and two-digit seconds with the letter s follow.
8h58
